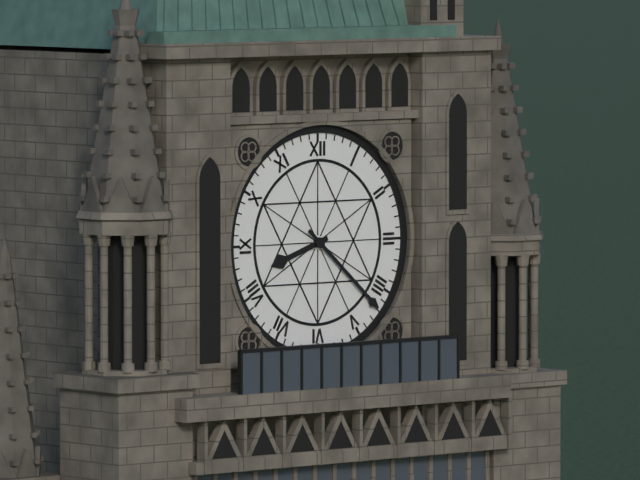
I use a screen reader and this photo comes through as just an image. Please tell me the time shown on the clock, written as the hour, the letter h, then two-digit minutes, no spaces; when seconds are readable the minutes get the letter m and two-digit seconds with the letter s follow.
8h22
